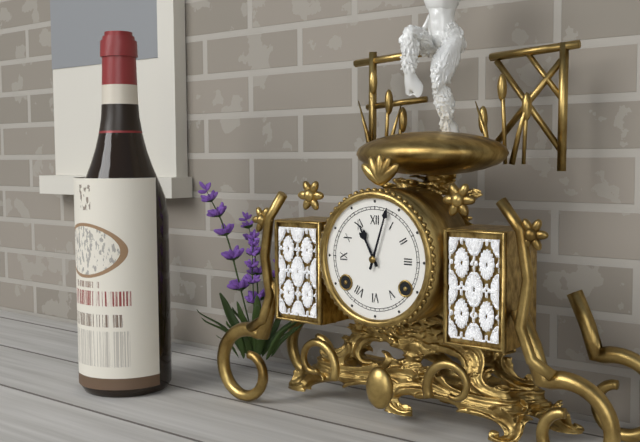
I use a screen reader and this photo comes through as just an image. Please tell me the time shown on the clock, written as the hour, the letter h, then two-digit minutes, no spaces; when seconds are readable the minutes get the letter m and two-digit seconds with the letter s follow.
11h03
